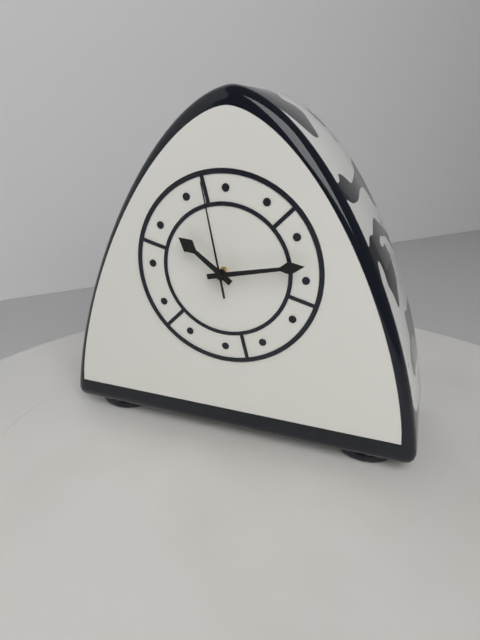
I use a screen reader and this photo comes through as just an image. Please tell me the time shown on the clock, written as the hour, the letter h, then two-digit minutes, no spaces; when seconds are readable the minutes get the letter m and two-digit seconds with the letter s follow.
10h13m58s
